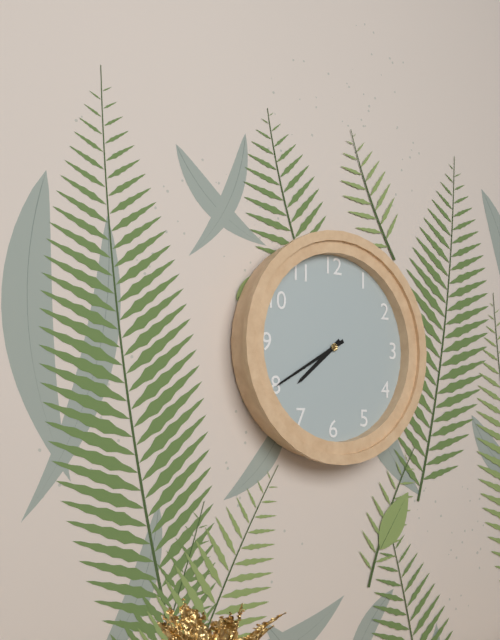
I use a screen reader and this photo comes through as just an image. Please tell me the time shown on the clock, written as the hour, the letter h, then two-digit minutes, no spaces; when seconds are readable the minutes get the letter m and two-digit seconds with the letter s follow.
7h40
